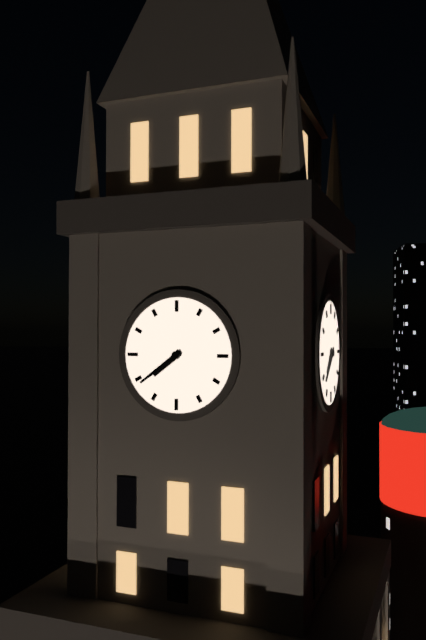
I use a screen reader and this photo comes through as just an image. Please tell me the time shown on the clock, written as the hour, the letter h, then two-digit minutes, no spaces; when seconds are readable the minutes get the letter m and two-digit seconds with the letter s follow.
7h39
